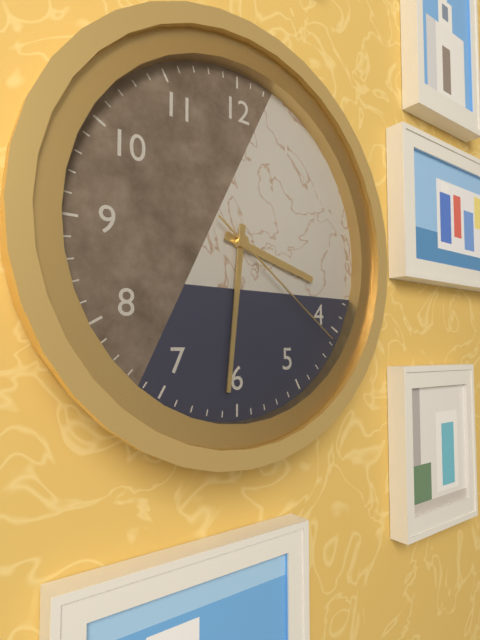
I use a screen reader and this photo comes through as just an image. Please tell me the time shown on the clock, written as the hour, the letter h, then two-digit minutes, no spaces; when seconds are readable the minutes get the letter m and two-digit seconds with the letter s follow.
3h31m21s
